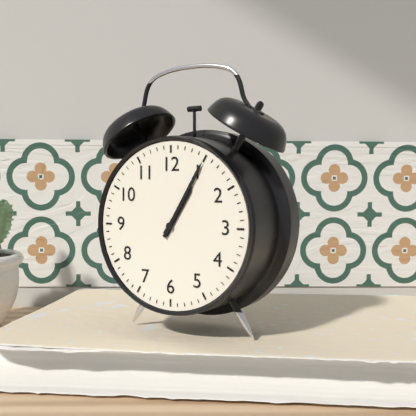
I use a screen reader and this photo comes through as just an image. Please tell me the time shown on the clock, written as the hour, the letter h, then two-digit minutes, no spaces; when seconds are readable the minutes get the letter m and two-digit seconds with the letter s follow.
1h05
